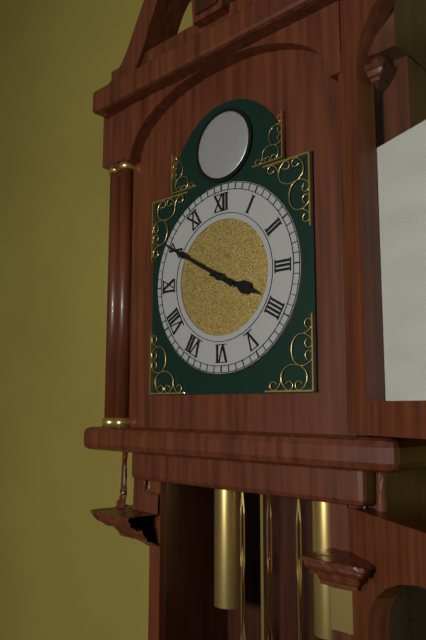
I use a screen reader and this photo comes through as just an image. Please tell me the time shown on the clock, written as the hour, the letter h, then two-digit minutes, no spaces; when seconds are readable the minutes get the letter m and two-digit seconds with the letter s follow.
3h50
